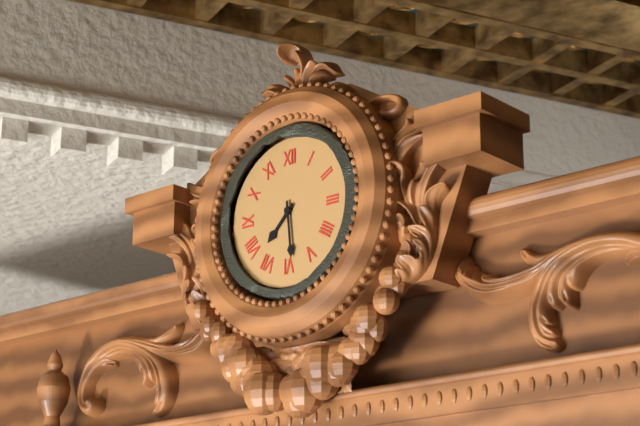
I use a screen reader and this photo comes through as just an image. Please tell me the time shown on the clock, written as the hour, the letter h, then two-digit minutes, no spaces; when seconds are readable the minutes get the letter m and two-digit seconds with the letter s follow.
7h29
